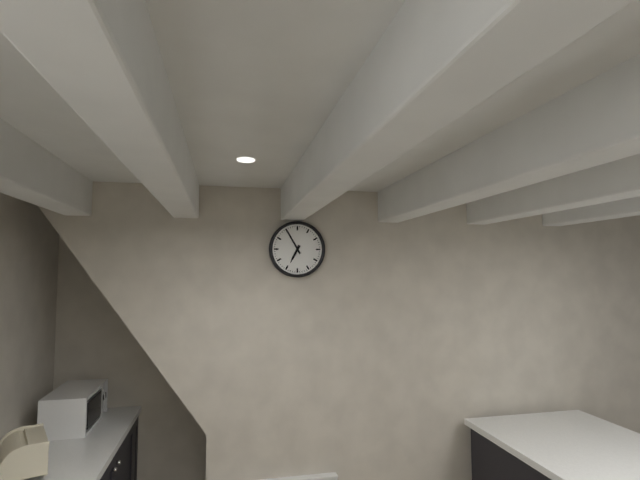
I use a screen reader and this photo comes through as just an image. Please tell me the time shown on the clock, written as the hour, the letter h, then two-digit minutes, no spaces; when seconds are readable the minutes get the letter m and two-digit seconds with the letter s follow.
6h55
